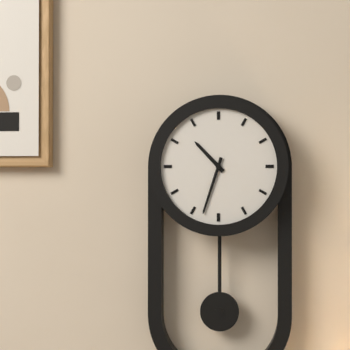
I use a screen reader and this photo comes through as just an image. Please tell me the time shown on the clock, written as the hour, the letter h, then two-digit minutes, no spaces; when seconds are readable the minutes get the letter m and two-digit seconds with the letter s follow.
10h33
